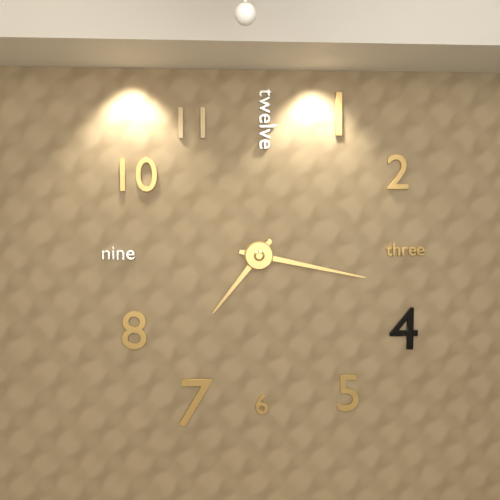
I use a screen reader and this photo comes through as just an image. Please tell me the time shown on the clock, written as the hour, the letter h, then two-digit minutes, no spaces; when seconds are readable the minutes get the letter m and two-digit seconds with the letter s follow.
7h17
